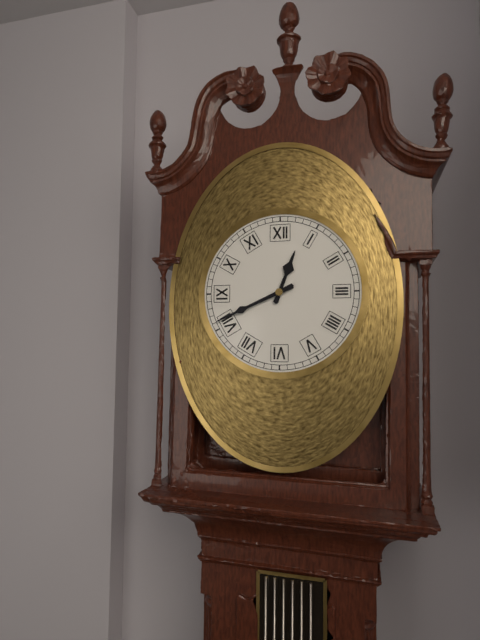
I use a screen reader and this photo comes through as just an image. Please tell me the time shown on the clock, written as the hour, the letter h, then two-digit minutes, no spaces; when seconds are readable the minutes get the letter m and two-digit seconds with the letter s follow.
12h41
